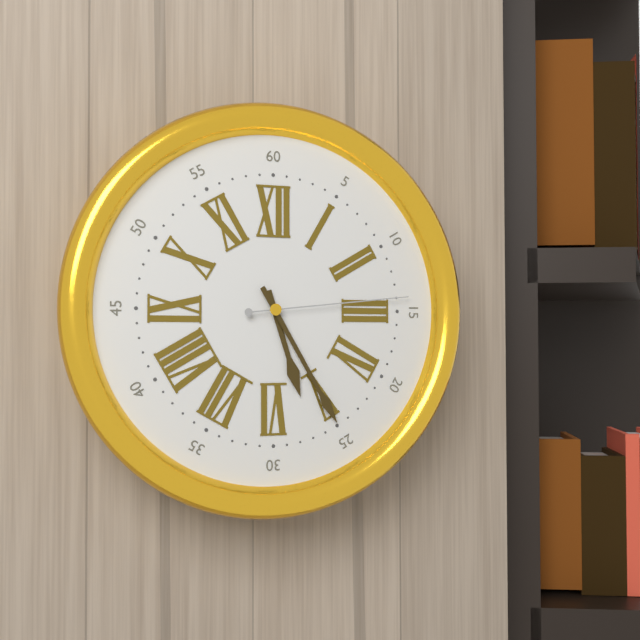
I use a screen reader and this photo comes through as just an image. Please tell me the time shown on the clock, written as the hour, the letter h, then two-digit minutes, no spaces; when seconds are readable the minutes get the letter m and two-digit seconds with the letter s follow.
5h25m14s
